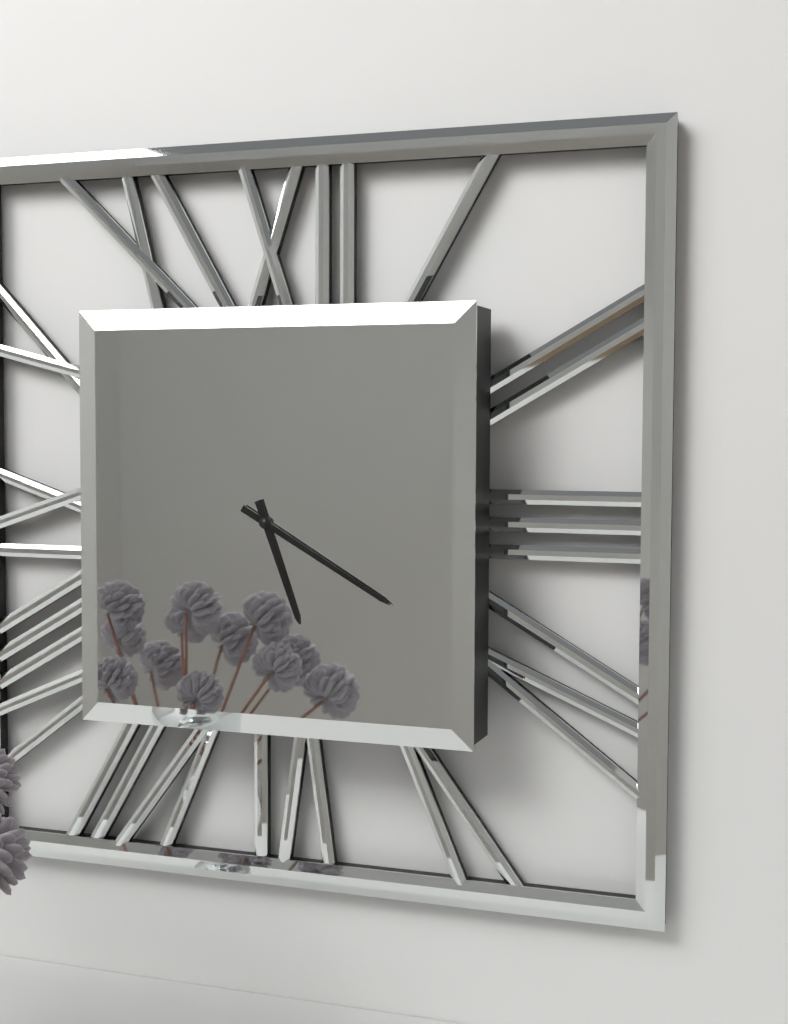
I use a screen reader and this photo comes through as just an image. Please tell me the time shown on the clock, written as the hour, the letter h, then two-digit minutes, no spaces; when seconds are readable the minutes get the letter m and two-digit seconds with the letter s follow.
5h20
